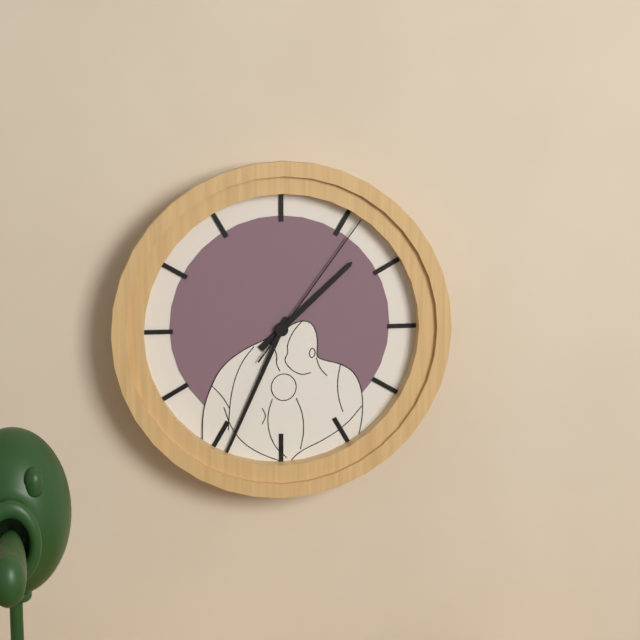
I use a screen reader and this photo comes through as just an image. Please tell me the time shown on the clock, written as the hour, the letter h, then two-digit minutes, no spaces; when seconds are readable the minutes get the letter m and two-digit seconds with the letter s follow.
1h34m06s
